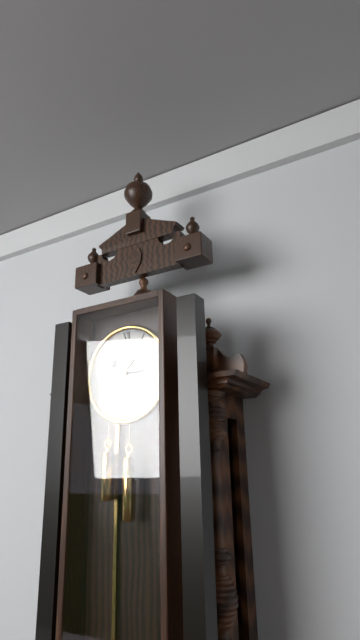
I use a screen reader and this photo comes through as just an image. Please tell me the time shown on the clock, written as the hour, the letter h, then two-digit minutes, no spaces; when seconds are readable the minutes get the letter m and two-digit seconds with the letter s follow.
10h15
